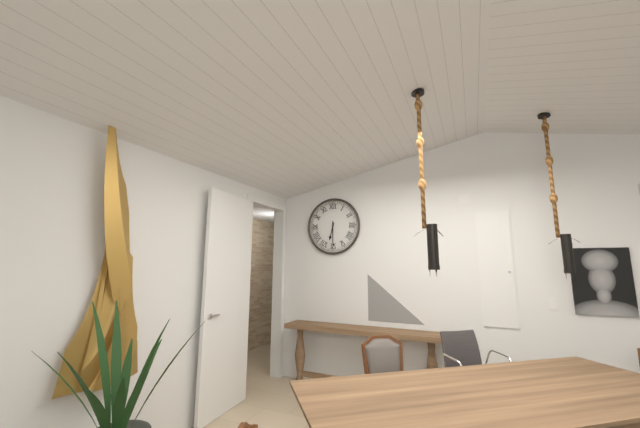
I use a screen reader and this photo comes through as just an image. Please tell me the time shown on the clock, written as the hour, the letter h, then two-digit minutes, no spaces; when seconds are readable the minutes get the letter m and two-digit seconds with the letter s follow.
6h30
